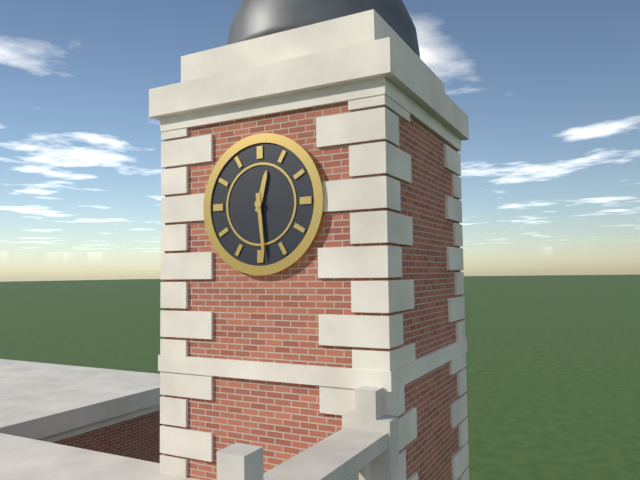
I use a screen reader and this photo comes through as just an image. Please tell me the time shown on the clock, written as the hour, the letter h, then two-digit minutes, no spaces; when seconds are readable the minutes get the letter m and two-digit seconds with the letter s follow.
12h29
